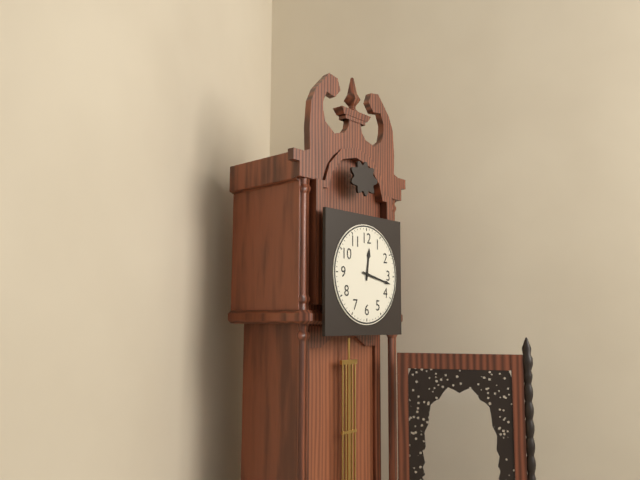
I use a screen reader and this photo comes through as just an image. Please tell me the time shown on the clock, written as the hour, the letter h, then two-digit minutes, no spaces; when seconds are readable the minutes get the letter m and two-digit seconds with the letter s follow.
12h17
